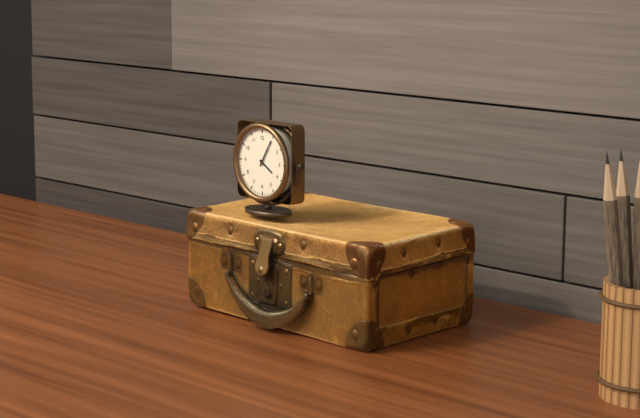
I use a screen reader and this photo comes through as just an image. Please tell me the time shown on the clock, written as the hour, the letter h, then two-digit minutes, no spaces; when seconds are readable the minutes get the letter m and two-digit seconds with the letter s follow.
4h05
